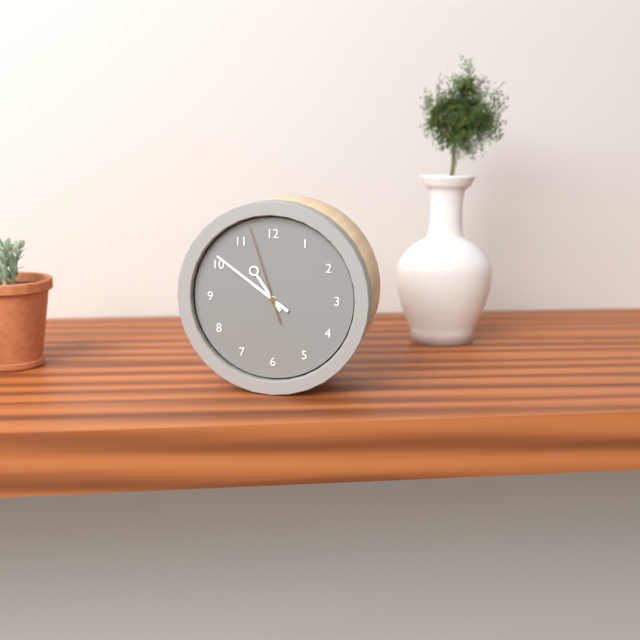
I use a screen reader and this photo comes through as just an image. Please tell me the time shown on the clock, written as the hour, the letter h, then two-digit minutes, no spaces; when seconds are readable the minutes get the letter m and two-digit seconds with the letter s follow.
10h51m57s
